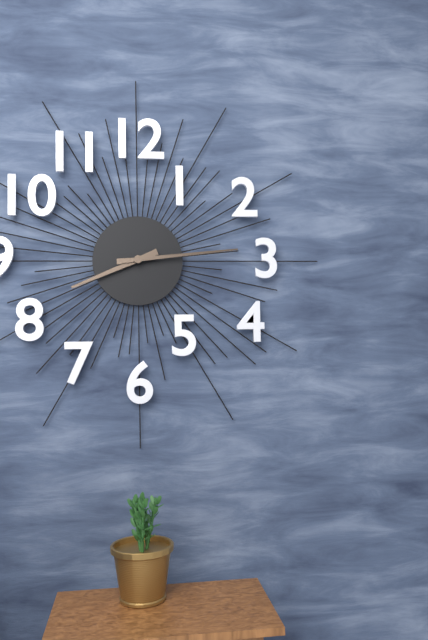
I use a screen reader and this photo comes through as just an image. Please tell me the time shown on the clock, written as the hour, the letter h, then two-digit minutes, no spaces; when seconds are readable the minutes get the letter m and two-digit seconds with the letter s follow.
8h14
